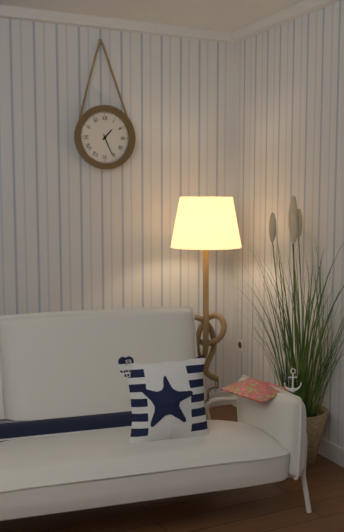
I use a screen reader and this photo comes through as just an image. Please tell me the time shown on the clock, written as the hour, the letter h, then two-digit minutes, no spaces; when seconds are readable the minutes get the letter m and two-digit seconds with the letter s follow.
1h26
